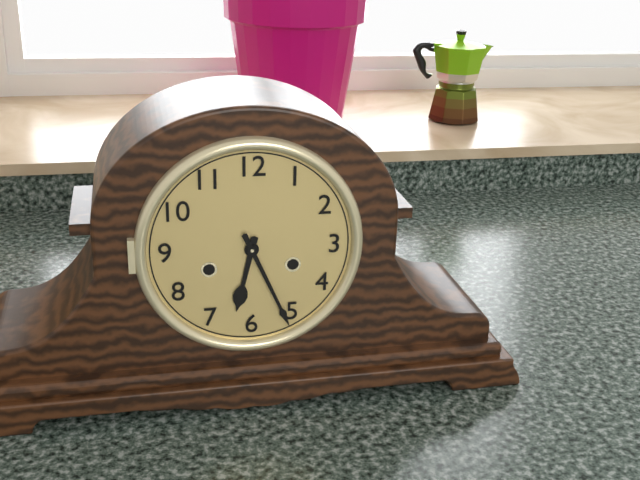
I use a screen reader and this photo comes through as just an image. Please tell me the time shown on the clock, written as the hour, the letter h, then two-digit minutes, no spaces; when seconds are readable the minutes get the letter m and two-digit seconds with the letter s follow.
6h26
